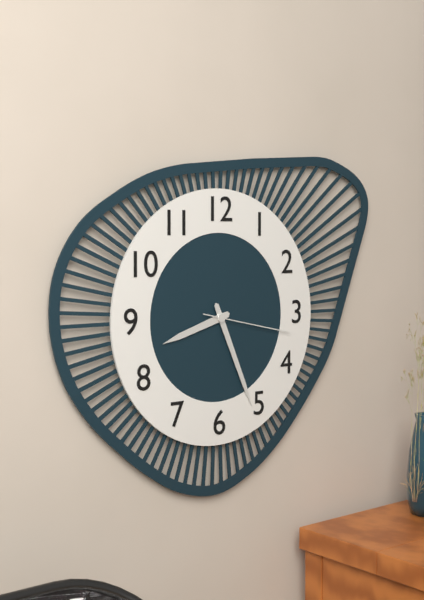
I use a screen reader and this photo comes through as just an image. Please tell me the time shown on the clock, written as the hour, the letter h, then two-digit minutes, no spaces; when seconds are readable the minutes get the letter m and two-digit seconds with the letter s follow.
8h26m17s
